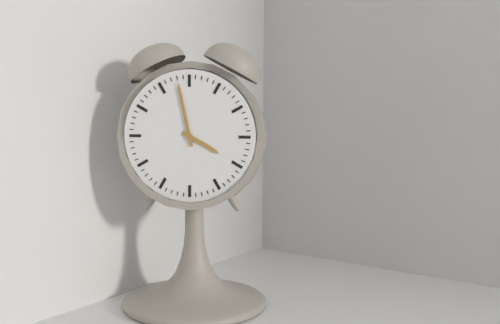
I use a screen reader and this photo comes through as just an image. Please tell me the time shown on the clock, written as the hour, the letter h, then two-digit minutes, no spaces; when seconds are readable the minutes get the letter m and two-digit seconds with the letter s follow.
3h58
